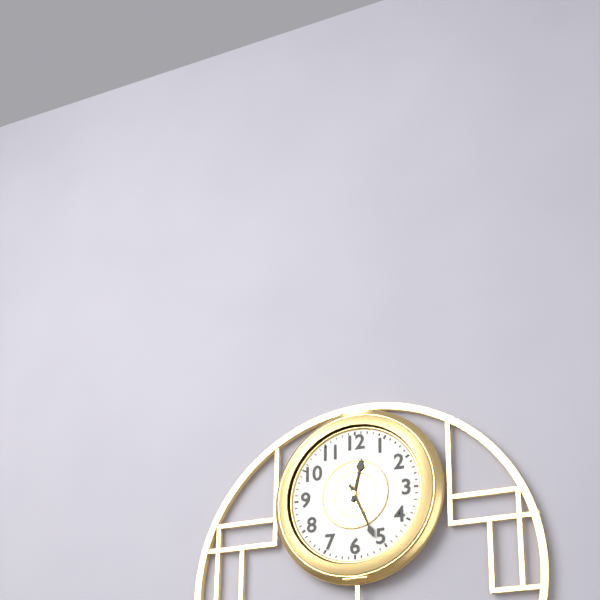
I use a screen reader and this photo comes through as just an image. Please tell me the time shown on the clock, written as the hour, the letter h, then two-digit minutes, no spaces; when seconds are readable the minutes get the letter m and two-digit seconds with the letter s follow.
12h26
